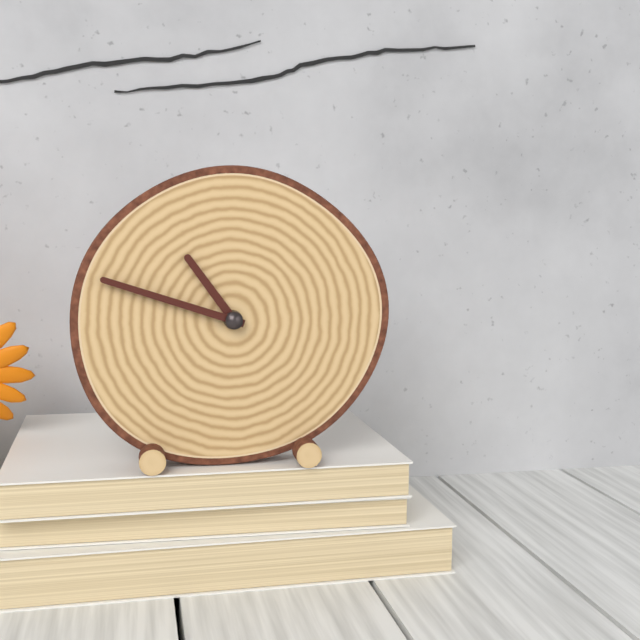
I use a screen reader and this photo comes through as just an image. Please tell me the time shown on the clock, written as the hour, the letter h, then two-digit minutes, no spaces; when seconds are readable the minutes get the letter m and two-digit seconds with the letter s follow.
10h48
